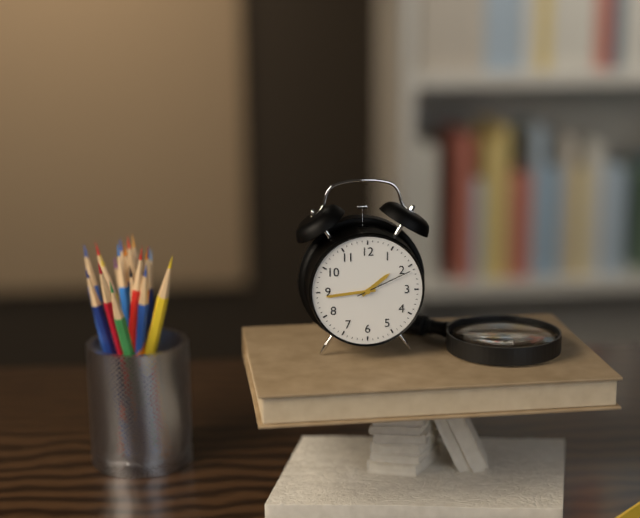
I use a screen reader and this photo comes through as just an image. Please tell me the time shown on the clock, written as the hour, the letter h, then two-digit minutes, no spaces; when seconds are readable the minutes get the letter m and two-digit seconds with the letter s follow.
1h44m11s
